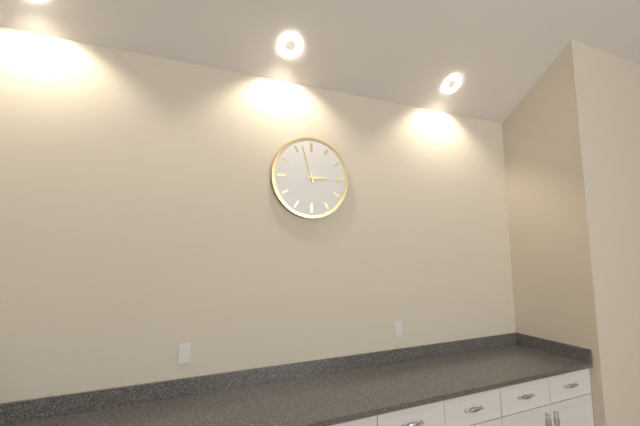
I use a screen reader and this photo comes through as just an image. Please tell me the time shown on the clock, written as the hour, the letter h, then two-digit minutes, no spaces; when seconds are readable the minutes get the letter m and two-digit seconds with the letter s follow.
2h57
